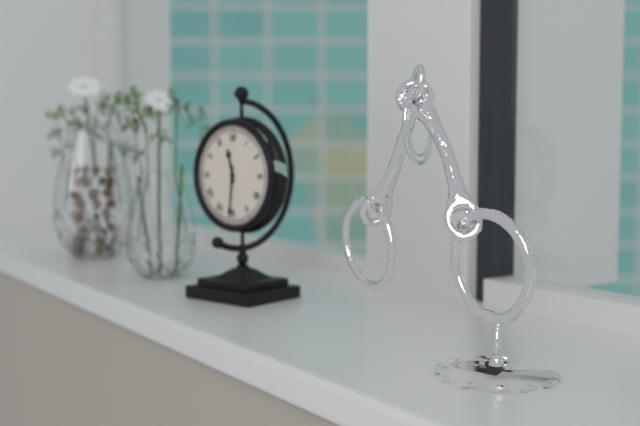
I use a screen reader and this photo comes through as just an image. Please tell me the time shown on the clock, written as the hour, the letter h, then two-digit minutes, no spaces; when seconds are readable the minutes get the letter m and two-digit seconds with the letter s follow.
11h31
